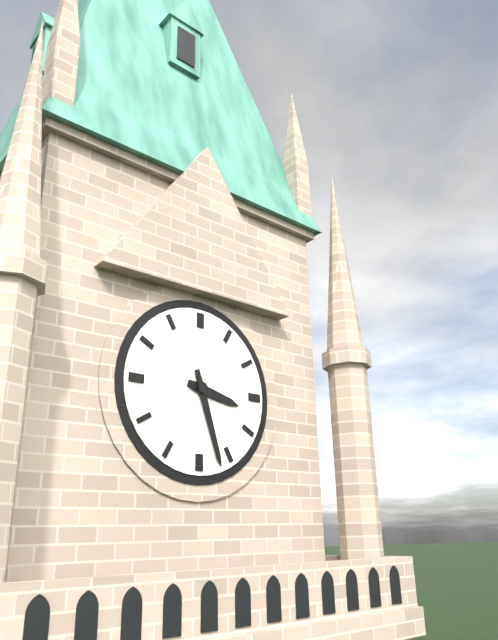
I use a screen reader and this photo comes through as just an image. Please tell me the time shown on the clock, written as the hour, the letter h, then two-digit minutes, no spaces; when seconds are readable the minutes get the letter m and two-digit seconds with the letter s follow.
3h27
